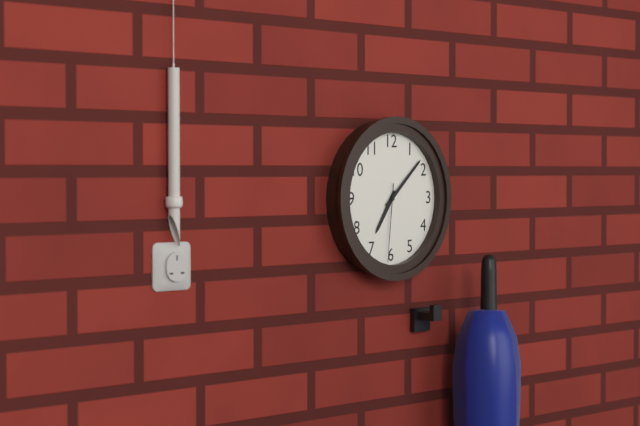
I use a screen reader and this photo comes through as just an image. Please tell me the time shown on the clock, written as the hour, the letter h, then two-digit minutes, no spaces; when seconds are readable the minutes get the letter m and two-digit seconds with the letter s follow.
7h08m31s
